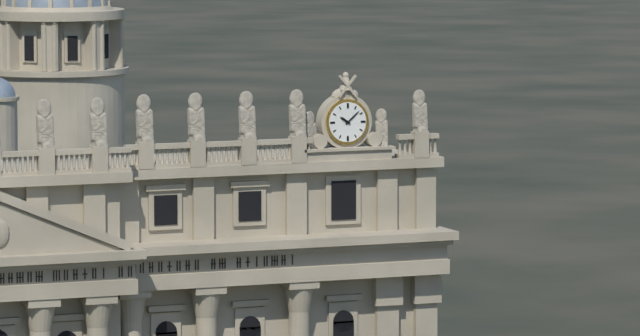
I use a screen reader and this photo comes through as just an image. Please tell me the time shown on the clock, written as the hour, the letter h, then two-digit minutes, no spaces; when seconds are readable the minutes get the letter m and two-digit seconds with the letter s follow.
10h08
